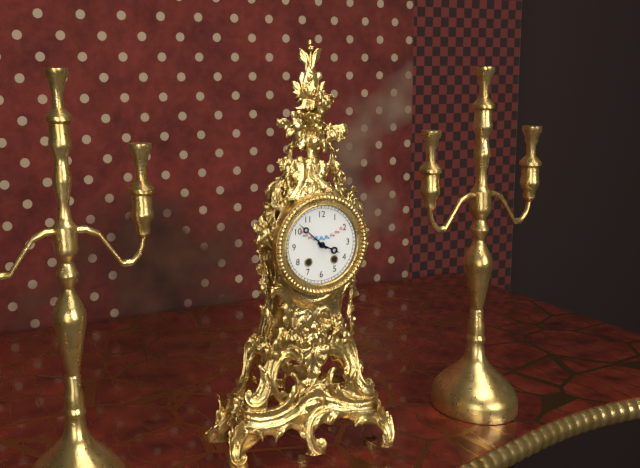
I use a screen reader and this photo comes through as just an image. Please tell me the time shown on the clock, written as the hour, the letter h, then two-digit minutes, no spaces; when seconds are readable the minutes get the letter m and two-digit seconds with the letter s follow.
3h52
